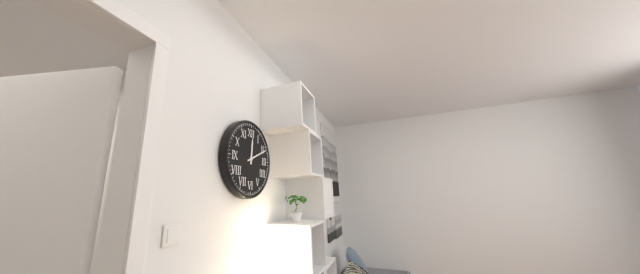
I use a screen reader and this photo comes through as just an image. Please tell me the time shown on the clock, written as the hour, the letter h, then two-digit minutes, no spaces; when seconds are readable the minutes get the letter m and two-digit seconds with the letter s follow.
12h11
